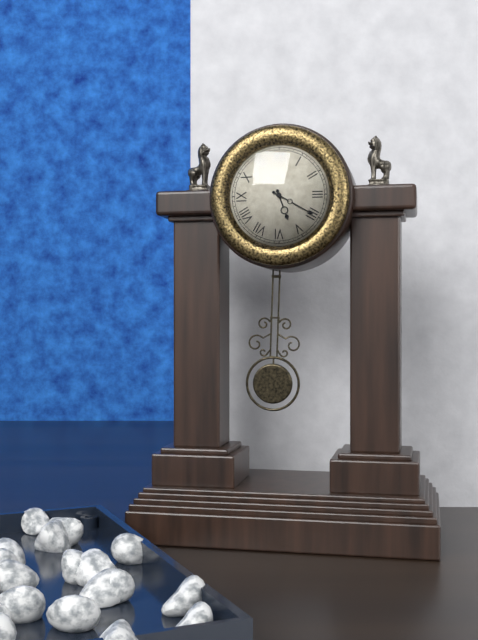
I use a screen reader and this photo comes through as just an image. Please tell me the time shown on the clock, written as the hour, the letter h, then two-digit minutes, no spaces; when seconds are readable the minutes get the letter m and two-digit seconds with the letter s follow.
5h20
